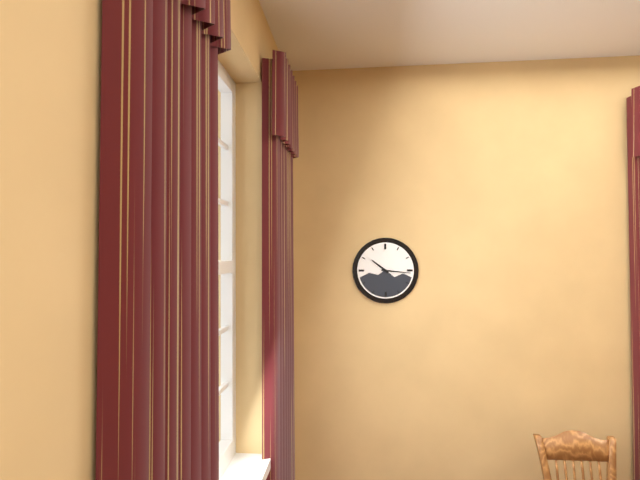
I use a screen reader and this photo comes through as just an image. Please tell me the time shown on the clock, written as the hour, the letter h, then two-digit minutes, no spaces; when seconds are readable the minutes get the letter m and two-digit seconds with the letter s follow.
10h16
